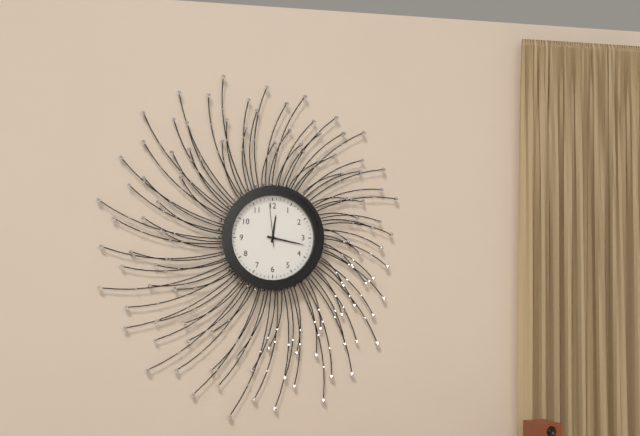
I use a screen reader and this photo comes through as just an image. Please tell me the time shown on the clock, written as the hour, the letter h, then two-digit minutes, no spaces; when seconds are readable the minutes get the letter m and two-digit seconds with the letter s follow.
12h17
